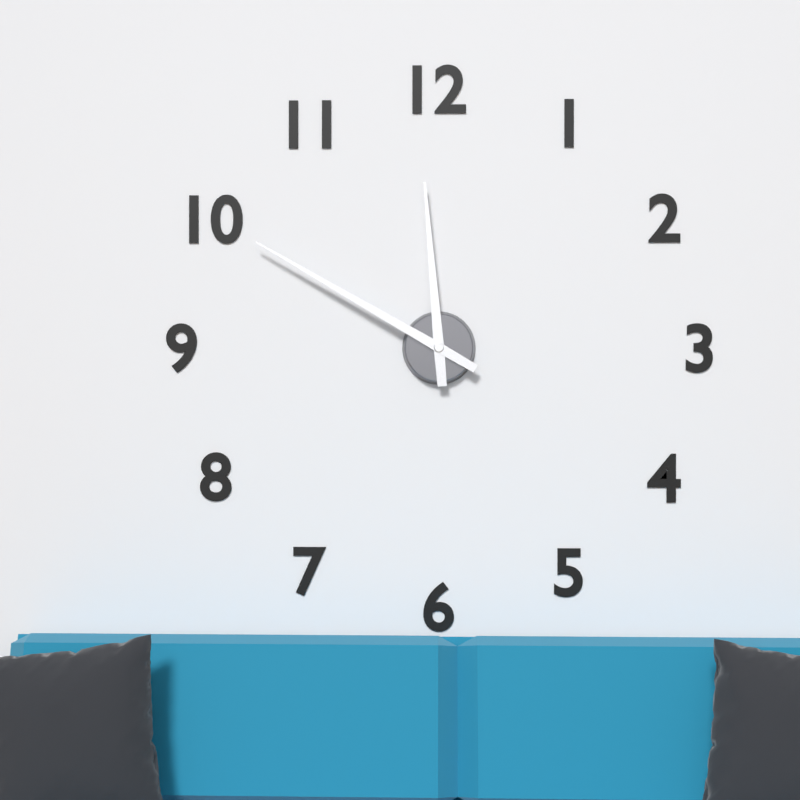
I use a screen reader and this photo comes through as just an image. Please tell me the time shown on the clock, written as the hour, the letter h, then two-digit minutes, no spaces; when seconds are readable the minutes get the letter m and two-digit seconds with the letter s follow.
11h50
